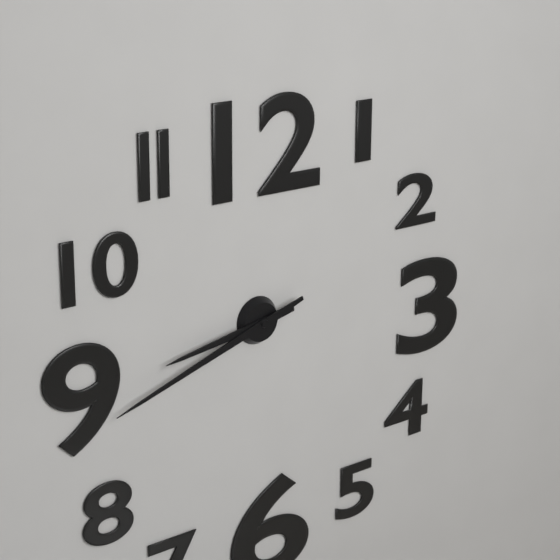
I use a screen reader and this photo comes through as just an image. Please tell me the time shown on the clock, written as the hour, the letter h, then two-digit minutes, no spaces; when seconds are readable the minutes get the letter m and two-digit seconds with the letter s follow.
8h42
